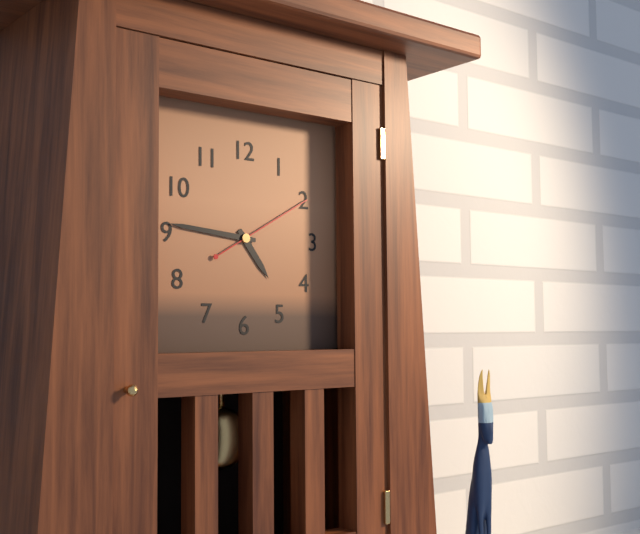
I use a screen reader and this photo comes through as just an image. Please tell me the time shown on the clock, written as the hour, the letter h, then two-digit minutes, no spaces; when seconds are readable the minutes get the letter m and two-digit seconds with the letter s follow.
4h46m10s
